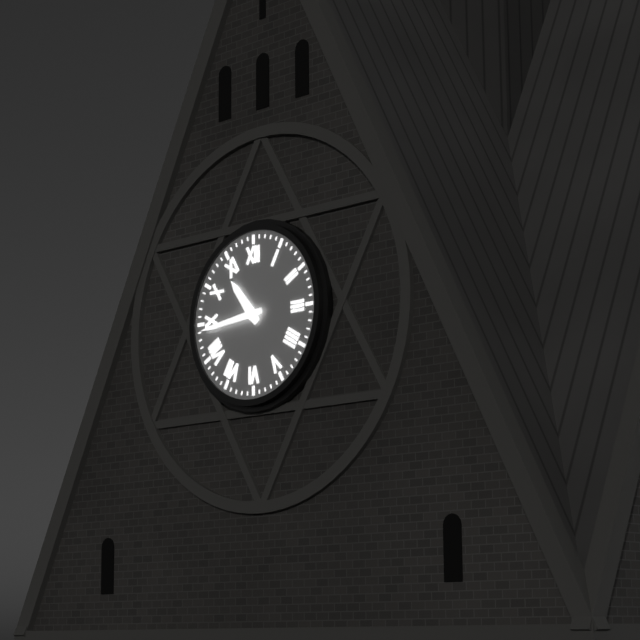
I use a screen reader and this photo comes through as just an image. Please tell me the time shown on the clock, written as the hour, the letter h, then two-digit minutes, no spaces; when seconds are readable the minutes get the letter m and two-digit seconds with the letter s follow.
10h44
